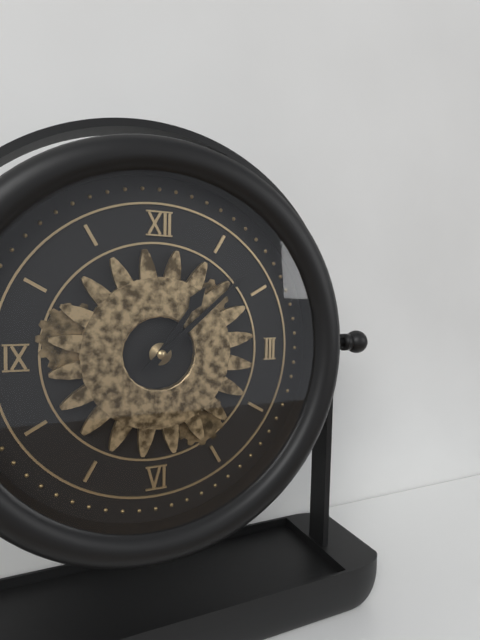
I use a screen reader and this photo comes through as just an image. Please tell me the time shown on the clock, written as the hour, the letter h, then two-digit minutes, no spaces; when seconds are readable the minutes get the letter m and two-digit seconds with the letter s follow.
1h08
